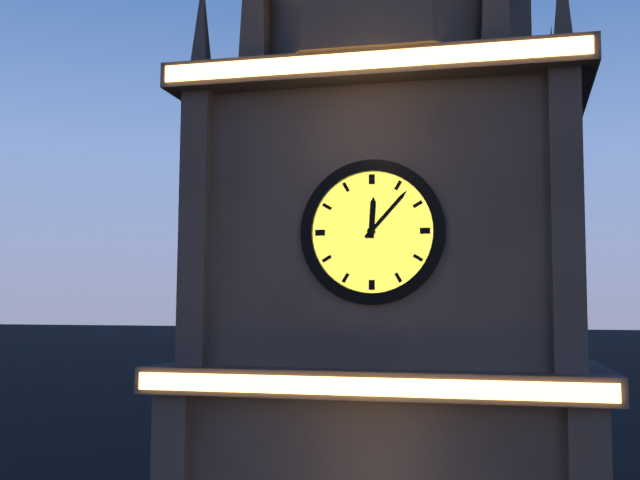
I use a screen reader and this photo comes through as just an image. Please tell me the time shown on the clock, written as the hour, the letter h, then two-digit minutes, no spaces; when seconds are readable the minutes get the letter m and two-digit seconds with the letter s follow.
12h07
